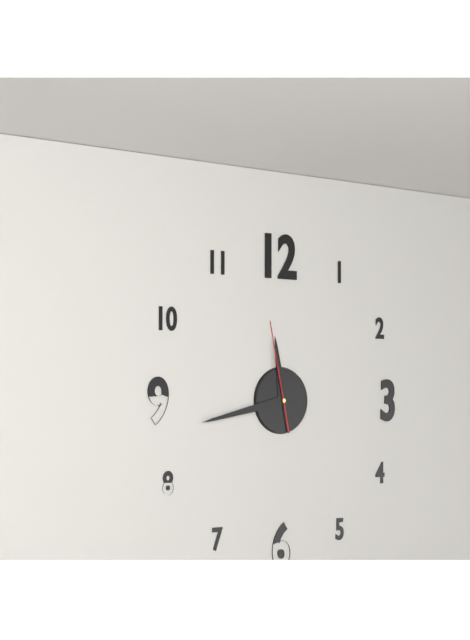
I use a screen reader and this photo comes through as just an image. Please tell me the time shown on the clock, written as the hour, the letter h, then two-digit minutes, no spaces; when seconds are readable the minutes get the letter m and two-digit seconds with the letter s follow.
11h43m58s
